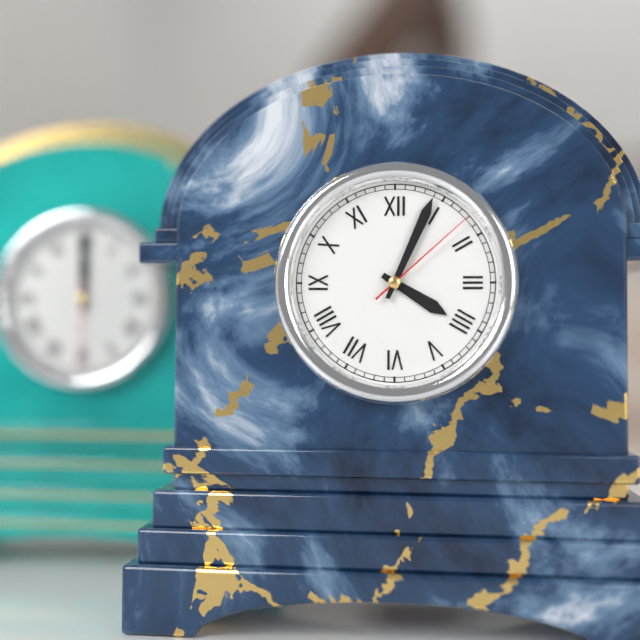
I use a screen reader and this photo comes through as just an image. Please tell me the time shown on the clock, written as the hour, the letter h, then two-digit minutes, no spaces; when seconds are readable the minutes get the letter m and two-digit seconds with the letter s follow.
4h04m08s
